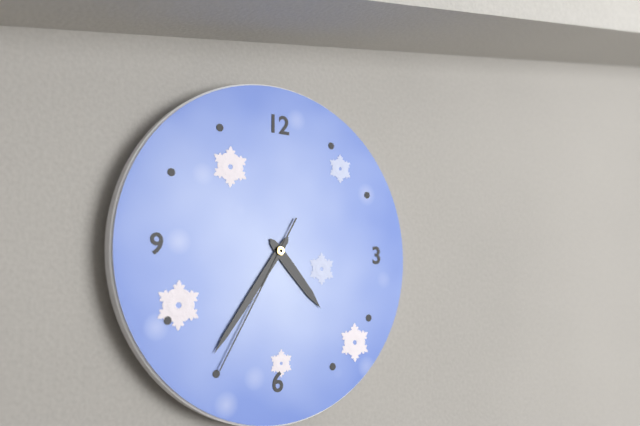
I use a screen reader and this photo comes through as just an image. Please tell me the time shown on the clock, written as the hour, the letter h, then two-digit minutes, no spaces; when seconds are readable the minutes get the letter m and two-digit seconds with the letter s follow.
4h36m35s
